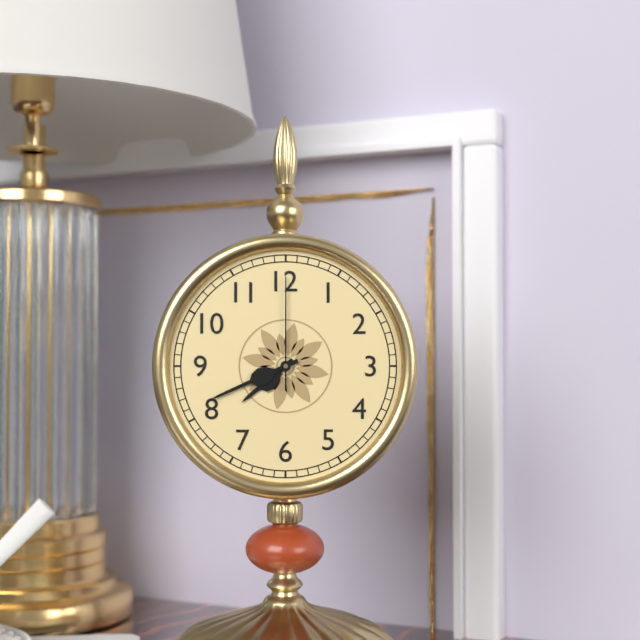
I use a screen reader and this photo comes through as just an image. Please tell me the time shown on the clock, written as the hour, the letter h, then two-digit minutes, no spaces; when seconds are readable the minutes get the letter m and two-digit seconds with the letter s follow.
7h41m00s
